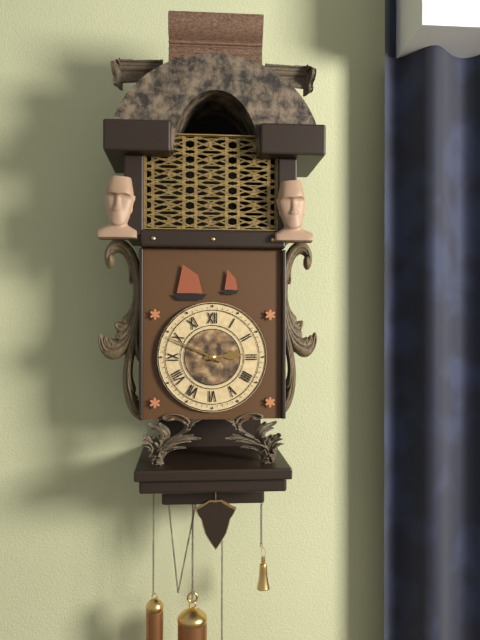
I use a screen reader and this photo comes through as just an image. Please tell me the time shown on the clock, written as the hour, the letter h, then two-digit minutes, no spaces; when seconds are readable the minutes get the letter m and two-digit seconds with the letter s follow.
2h49
